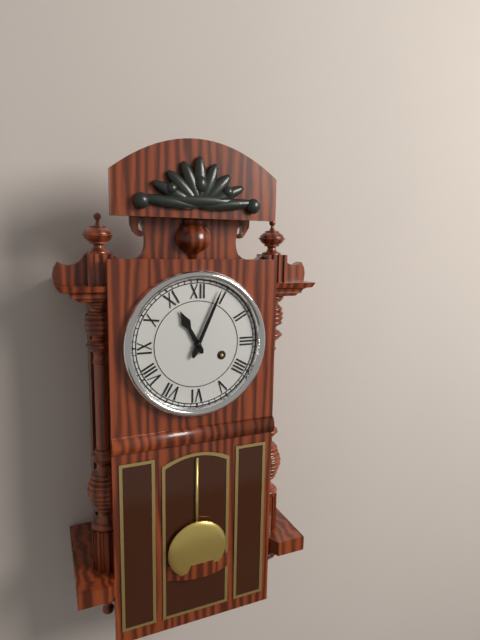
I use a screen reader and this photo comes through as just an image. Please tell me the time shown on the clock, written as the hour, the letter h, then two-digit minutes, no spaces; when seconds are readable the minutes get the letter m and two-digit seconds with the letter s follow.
11h04
